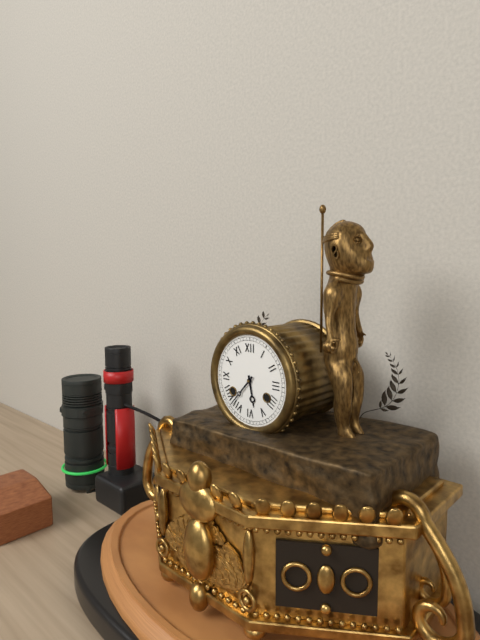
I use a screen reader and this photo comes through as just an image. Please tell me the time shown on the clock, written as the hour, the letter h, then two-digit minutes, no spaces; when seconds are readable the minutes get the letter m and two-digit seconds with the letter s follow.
5h37
